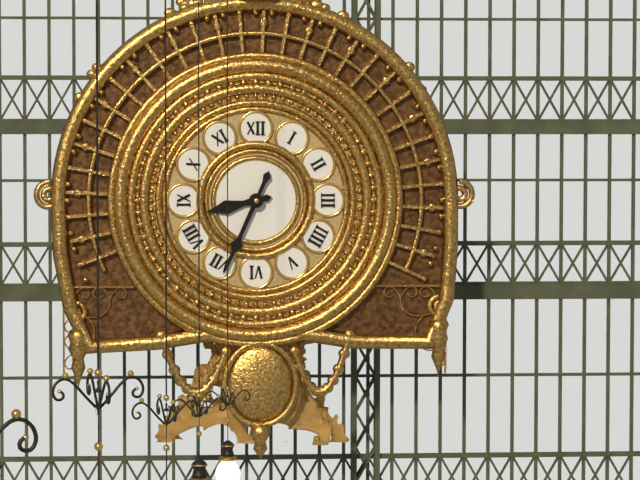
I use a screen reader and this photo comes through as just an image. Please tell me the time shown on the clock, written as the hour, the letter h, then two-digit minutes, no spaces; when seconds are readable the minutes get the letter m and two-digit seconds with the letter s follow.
8h34
